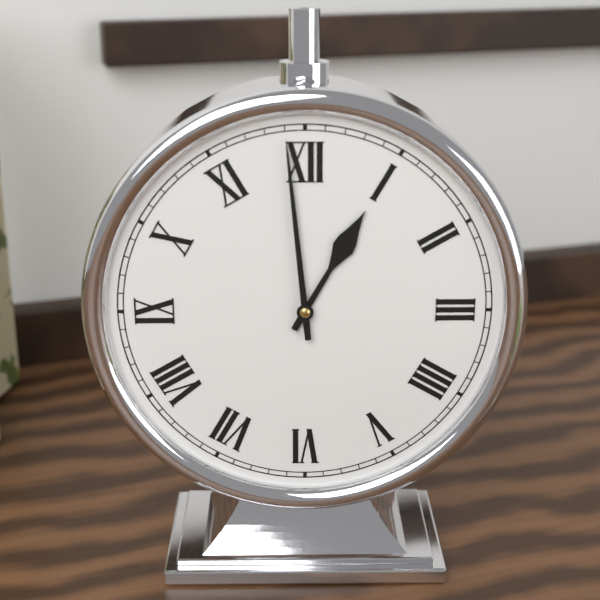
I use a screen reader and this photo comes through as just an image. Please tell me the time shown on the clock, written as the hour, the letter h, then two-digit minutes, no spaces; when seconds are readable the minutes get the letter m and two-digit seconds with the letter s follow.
12h59
